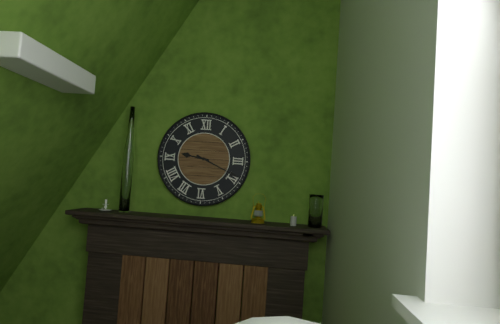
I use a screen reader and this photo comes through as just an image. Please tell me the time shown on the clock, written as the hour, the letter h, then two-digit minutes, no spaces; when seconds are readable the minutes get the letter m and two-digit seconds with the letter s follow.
9h19
